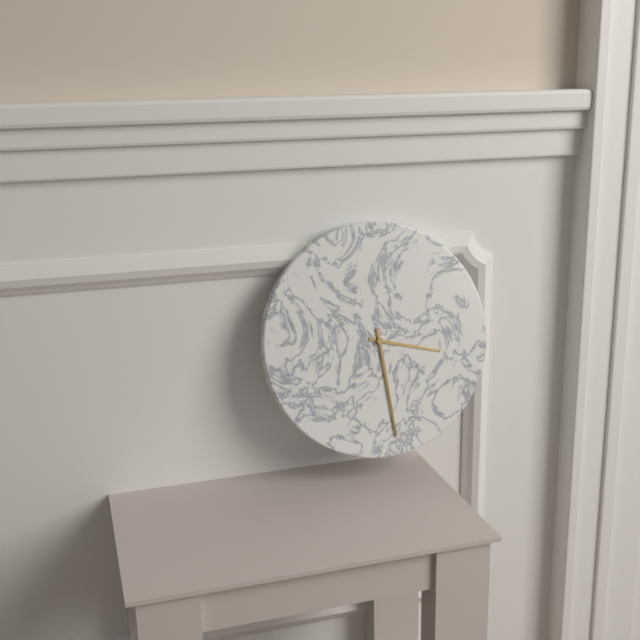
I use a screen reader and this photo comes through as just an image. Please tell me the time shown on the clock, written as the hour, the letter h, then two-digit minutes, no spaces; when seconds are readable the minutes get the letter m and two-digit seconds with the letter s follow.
3h29
